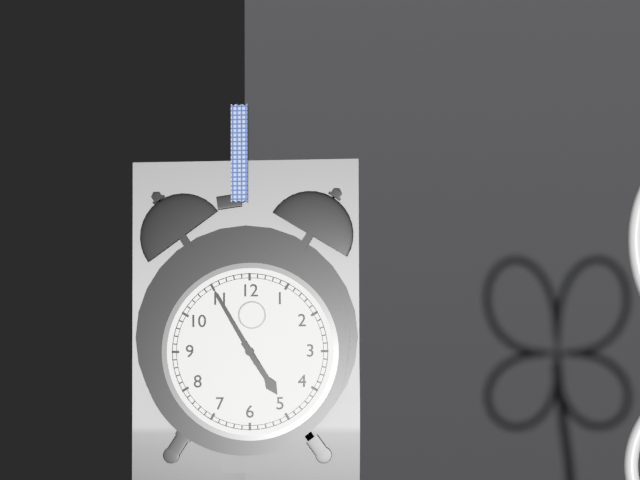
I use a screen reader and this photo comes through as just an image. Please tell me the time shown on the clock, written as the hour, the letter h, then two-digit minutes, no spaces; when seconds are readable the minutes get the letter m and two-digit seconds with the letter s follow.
4h55
